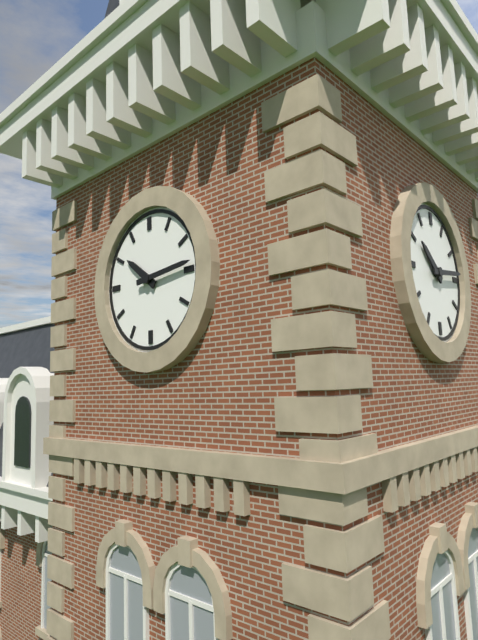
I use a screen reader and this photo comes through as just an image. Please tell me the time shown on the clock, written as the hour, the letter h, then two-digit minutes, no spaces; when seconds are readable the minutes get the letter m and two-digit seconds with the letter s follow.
10h14
